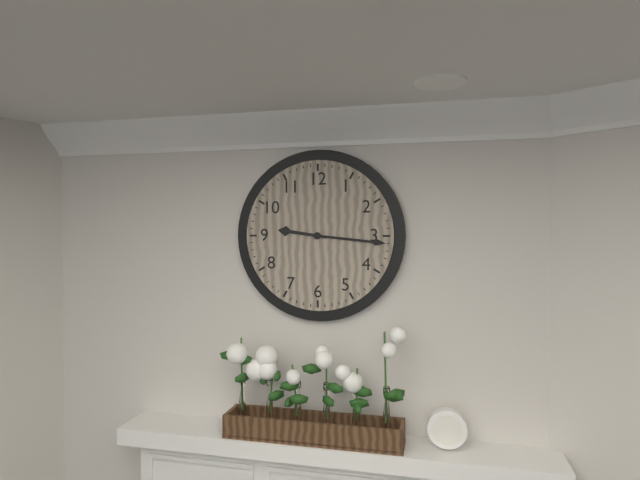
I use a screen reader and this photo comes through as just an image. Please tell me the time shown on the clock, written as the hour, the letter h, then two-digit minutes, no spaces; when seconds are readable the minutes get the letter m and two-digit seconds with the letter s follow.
9h16
